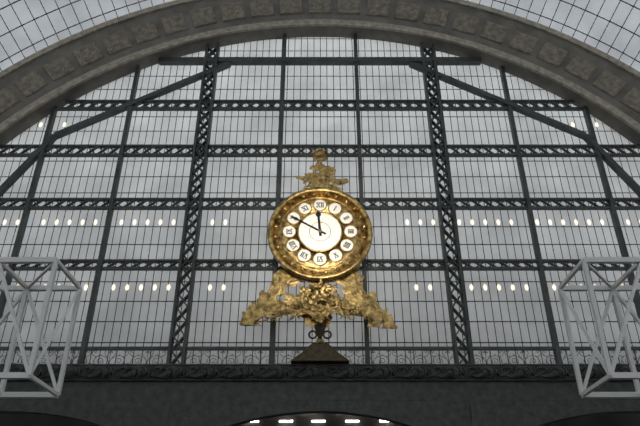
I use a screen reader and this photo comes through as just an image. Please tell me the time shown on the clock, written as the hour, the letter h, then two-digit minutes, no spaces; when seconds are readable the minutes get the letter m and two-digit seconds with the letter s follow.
11h50
